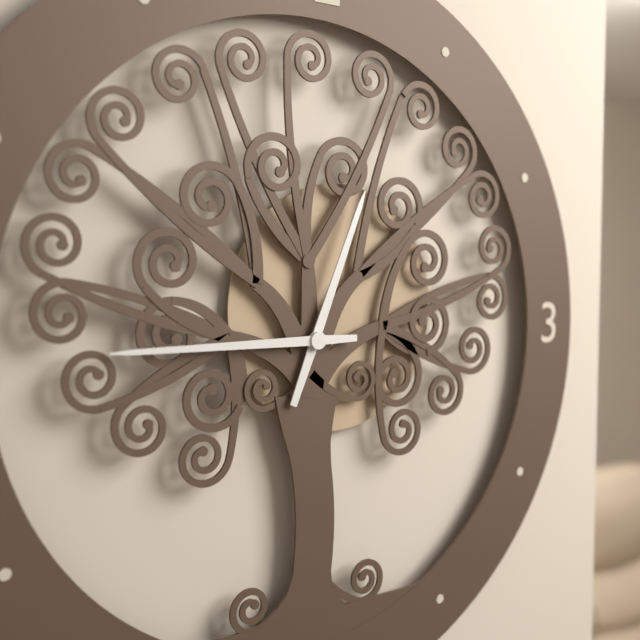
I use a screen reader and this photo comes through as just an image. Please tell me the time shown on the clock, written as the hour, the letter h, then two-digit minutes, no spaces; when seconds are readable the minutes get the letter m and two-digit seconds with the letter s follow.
12h45
